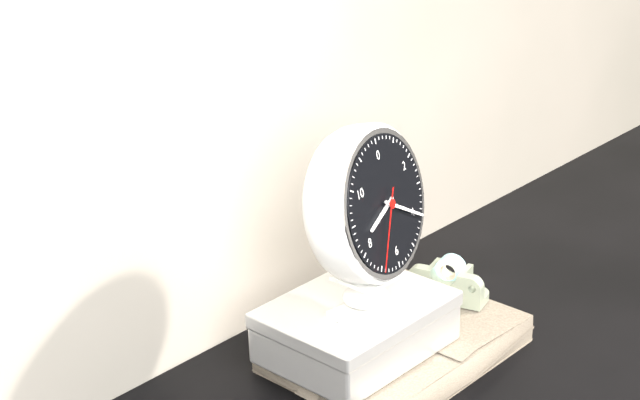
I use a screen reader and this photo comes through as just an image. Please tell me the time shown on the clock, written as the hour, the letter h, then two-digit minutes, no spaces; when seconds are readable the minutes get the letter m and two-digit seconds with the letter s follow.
8h20m35s
